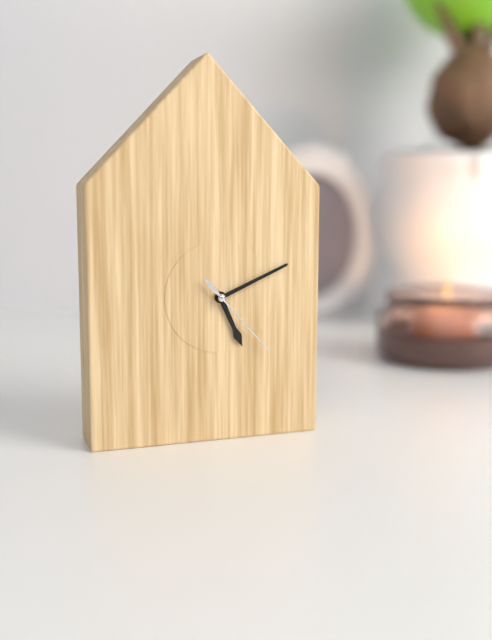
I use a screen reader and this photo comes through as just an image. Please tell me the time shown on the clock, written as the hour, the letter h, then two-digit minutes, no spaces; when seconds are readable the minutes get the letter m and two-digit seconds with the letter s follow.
5h11m23s
